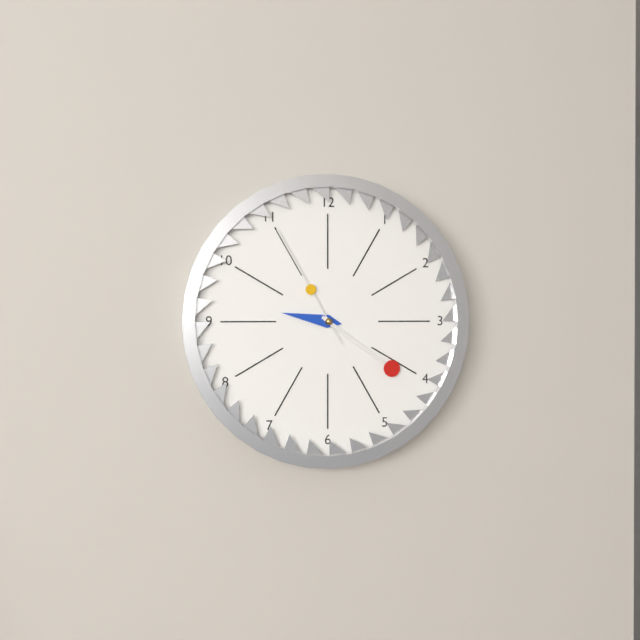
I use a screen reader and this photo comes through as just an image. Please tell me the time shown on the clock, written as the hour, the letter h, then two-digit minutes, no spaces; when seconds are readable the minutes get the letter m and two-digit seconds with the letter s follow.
9h21m55s
